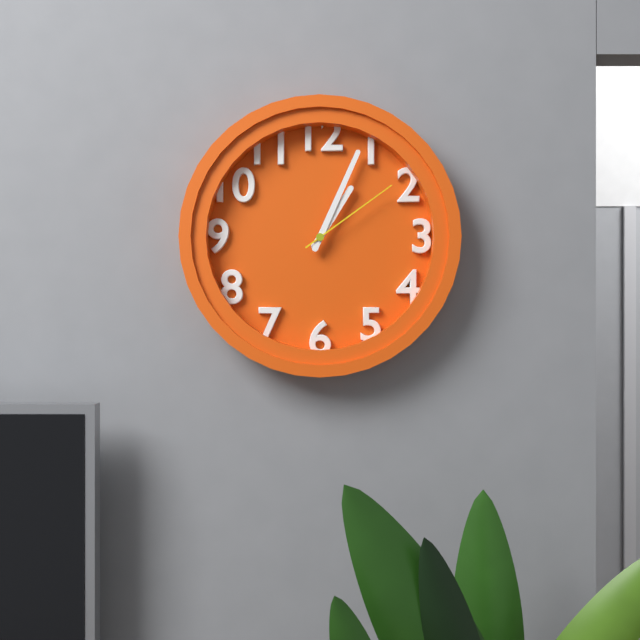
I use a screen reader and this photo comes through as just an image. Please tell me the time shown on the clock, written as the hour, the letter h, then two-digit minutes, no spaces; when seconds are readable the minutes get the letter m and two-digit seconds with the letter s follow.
1h04m09s
